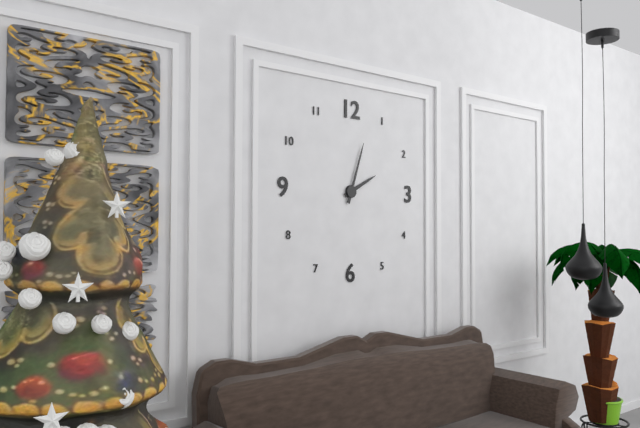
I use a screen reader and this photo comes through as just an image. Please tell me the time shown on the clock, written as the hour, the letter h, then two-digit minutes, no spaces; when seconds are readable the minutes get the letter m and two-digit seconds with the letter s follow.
2h03
